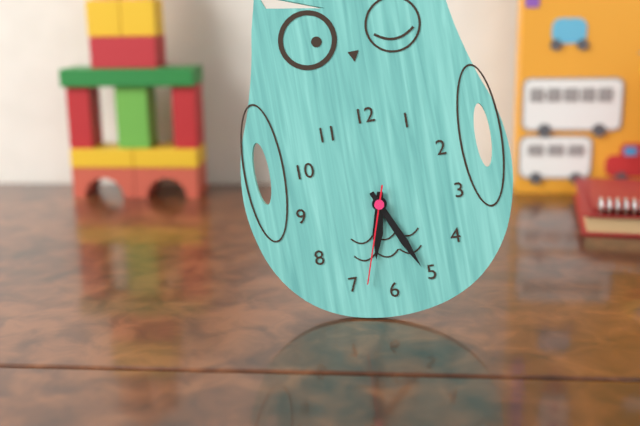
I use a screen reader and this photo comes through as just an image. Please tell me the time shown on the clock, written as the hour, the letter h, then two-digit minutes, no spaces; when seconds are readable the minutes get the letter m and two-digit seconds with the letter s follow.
6h26m33s
